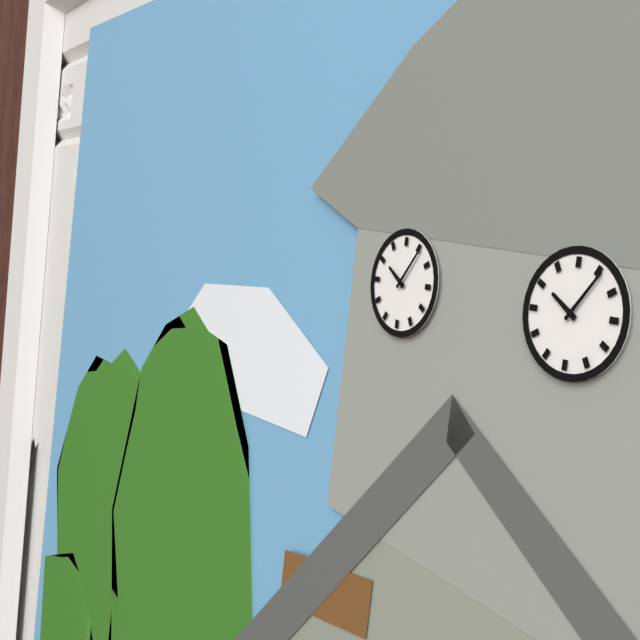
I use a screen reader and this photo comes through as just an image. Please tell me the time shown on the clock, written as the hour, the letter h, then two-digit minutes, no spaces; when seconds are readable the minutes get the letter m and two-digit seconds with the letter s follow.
10h06
